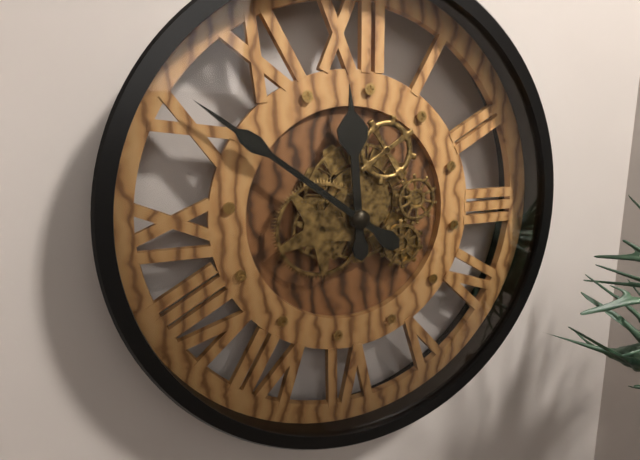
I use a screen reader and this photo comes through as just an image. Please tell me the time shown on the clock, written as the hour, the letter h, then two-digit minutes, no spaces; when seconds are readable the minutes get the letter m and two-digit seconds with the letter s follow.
11h51
